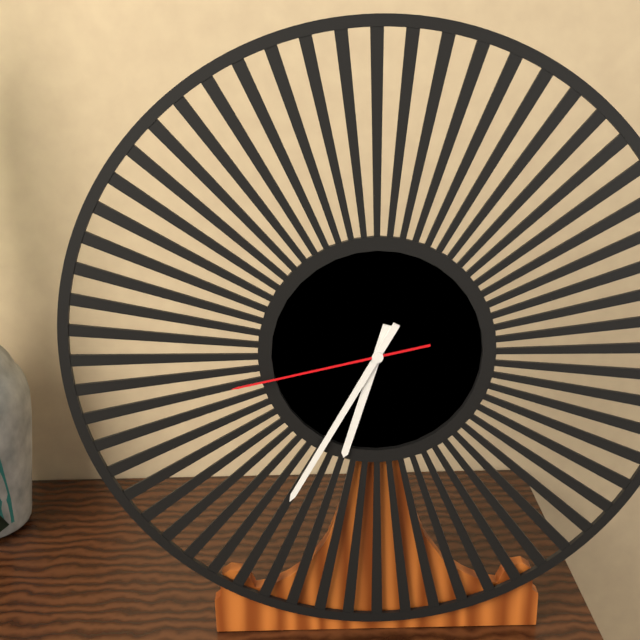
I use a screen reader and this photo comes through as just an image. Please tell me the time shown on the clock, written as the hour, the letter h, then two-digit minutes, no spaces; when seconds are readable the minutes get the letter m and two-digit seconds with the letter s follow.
6h35m43s
